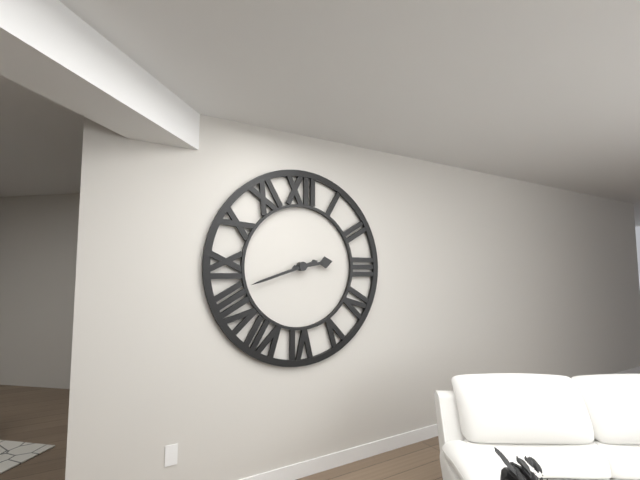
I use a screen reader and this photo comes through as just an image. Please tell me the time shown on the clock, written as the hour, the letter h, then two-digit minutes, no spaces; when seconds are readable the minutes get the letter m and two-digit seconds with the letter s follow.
2h42
